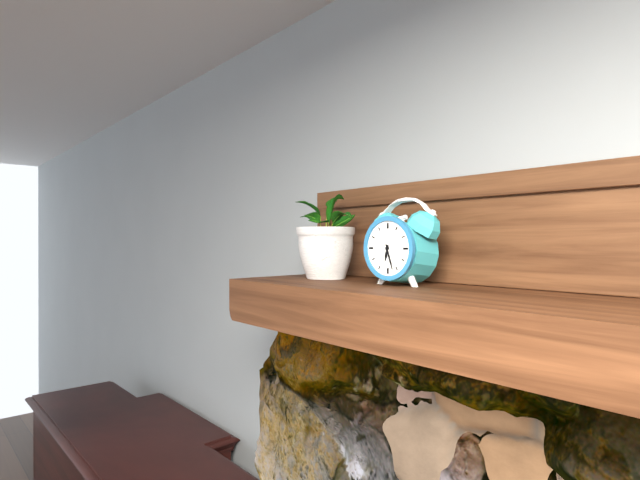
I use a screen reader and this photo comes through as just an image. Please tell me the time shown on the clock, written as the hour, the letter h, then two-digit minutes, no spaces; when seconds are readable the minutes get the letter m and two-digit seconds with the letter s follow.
6h27
